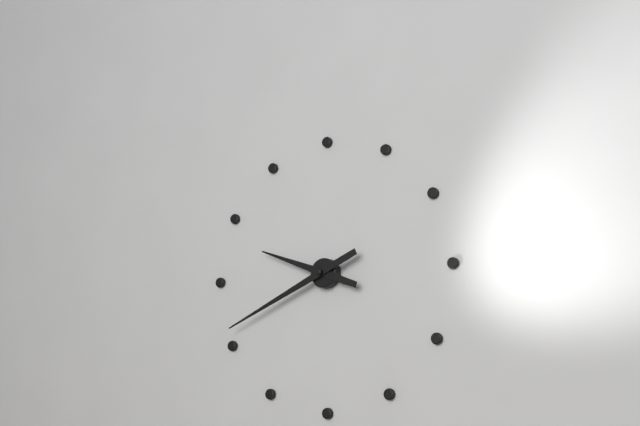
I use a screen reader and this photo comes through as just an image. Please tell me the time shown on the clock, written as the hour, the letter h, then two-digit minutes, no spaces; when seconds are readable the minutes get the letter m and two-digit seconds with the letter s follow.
9h41
